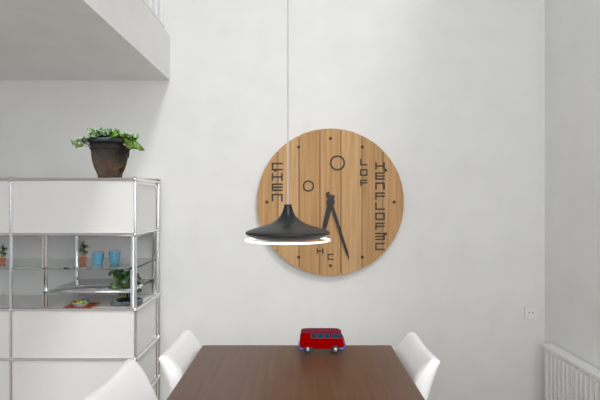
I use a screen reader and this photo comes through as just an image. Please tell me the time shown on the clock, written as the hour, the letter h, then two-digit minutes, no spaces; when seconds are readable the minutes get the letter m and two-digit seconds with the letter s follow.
6h27
